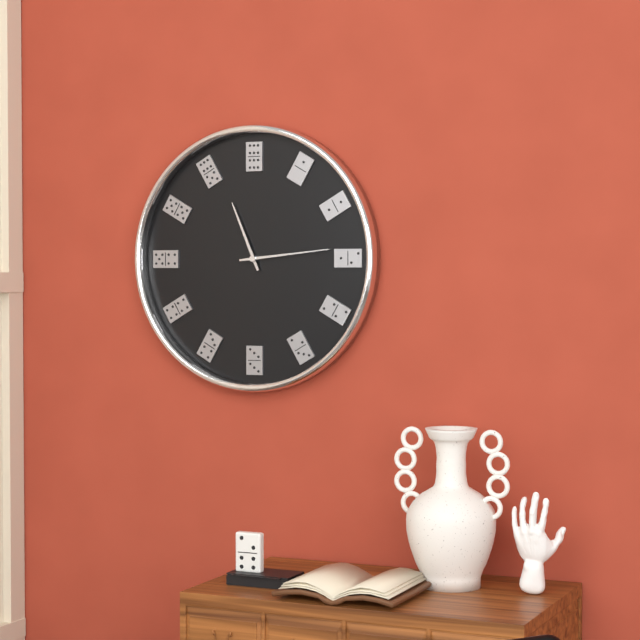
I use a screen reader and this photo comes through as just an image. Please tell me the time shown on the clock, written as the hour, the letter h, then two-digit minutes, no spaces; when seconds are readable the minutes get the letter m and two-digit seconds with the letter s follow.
11h14
